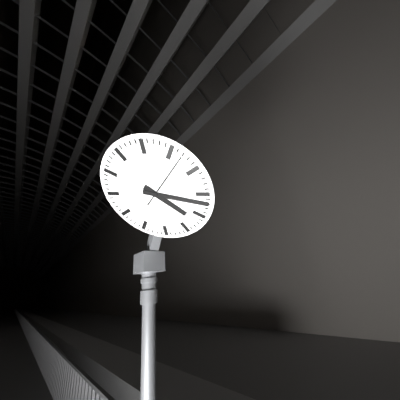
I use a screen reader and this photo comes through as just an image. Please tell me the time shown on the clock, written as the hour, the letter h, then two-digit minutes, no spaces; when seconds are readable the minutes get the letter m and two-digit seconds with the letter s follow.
5h22m12s
